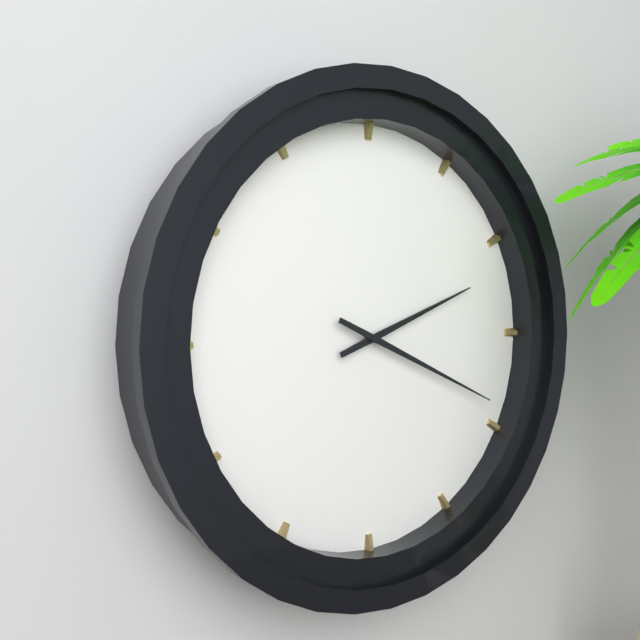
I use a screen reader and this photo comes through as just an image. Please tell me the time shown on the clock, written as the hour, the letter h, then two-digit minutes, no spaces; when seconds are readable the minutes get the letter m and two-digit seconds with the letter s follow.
2h19
